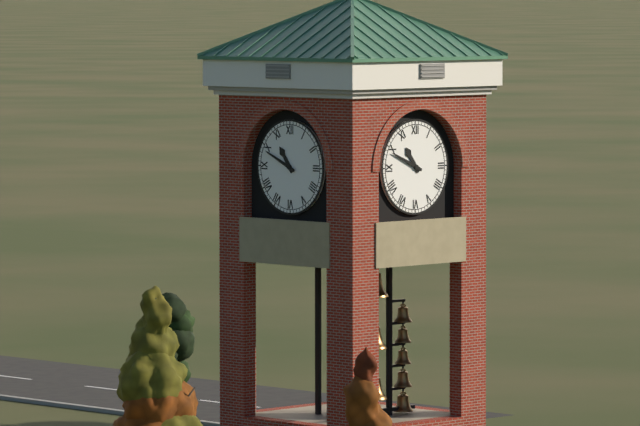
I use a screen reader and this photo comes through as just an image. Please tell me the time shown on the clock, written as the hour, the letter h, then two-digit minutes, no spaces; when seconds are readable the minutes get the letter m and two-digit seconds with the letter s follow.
10h49
